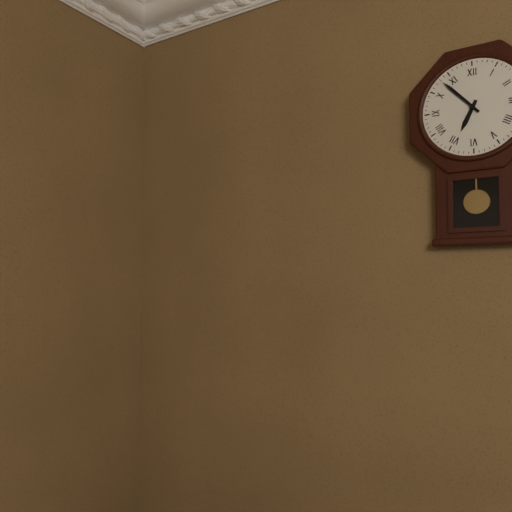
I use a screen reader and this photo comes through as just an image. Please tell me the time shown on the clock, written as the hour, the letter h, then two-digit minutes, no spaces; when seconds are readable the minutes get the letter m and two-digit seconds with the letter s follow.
6h53
